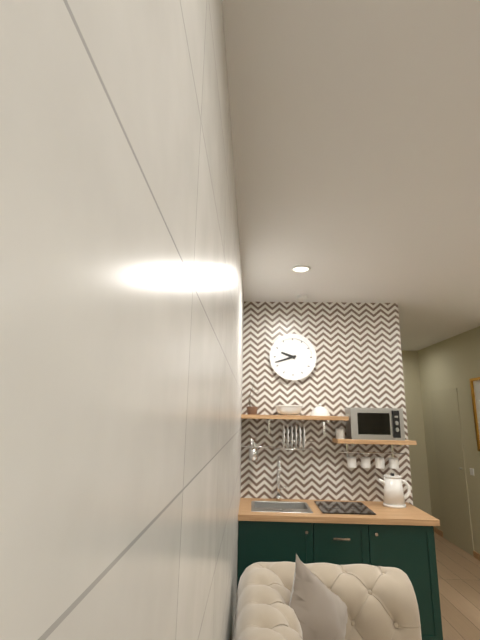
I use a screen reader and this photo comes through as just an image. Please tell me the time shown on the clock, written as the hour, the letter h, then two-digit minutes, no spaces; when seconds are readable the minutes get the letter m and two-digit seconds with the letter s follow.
9h42
